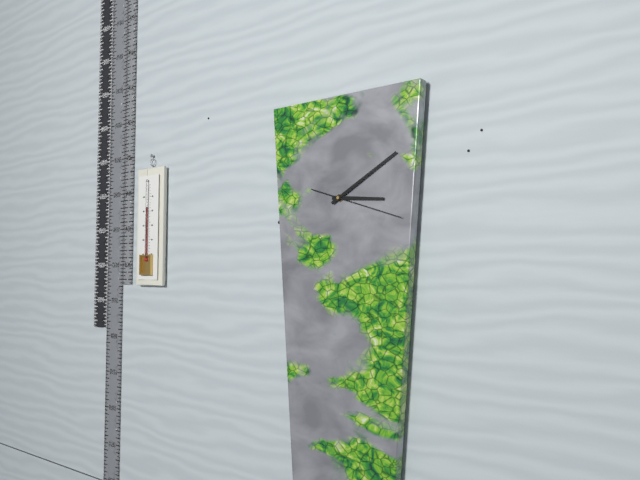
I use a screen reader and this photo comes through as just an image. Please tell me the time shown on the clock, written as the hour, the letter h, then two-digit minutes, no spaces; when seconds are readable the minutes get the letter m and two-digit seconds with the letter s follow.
3h10m18s
